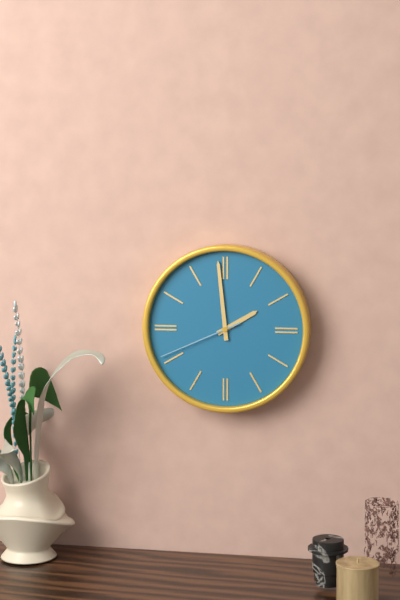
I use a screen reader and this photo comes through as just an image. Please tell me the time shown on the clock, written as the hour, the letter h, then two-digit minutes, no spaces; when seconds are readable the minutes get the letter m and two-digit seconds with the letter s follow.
1h59m41s
